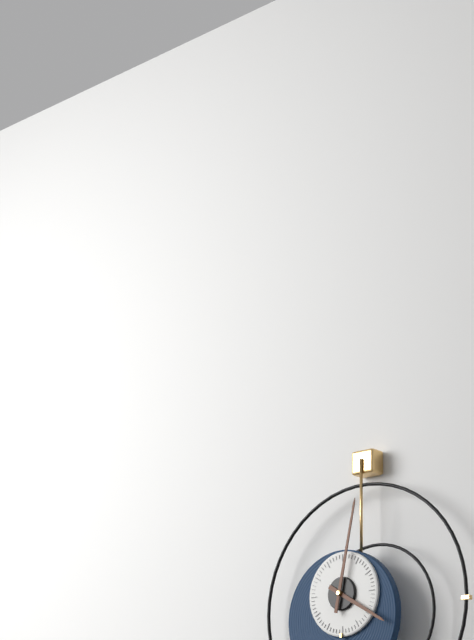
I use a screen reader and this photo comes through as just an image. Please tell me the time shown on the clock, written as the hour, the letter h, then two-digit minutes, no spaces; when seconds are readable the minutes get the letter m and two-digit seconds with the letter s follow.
4h02
